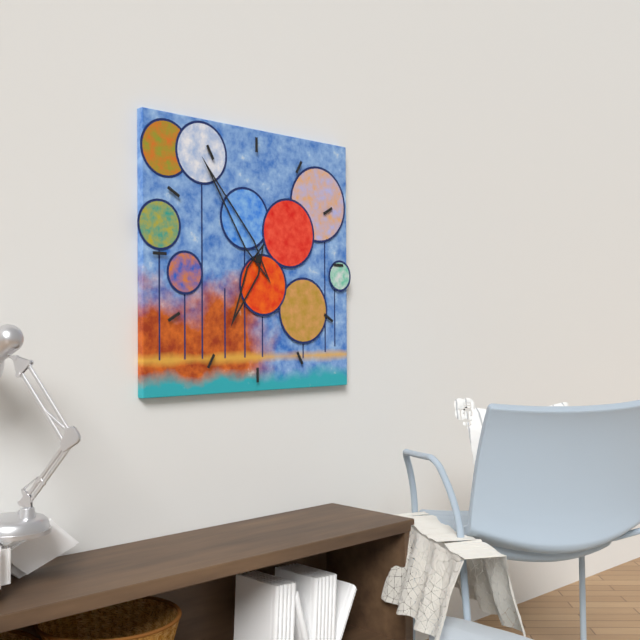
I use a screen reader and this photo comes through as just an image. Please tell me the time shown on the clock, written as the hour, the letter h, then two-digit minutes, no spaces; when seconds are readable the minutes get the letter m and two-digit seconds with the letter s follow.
6h54
